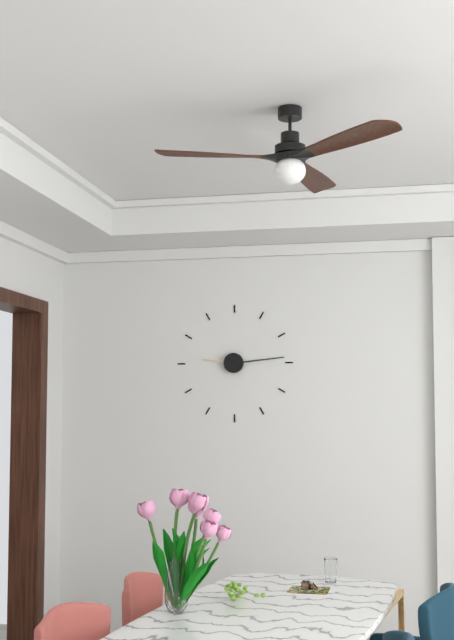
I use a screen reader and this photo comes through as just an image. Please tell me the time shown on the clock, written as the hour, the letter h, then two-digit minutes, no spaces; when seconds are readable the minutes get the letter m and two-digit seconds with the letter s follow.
9h14
